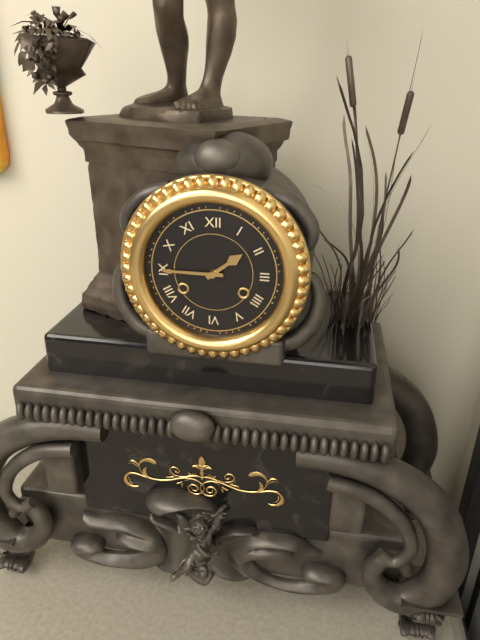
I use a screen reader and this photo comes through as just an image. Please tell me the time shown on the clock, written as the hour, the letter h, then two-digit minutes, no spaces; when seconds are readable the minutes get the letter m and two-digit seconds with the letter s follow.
1h45
